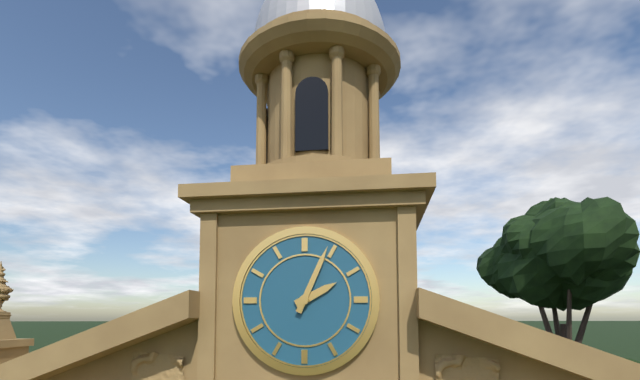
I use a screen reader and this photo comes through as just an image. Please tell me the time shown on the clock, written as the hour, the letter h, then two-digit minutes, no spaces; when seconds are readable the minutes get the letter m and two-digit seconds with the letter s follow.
2h04
